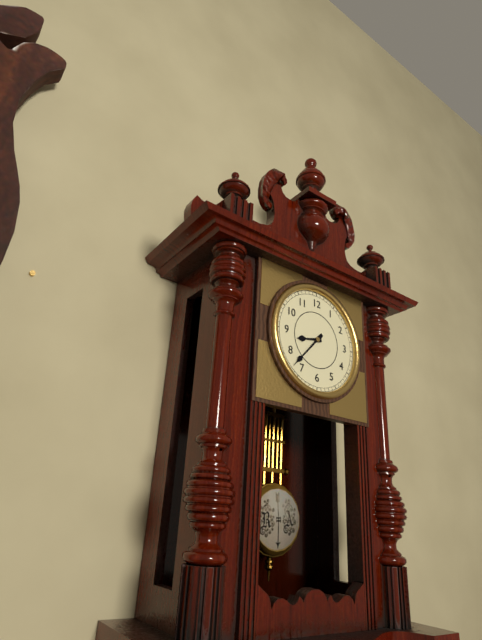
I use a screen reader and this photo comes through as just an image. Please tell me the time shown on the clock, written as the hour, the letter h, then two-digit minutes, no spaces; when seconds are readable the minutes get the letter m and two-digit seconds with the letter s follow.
8h37
